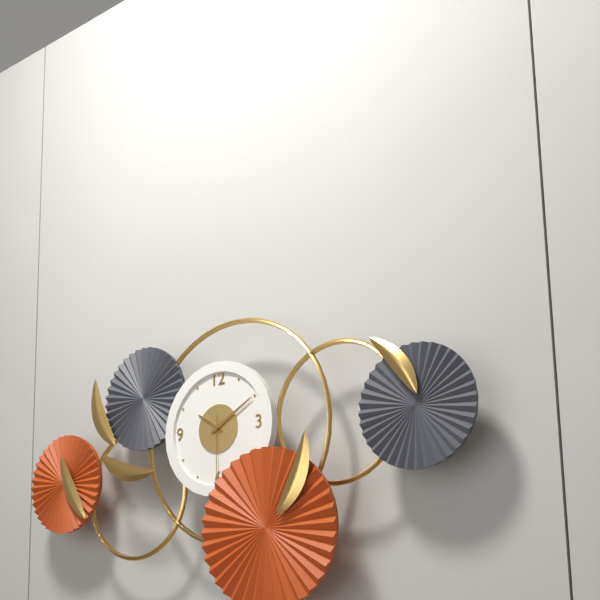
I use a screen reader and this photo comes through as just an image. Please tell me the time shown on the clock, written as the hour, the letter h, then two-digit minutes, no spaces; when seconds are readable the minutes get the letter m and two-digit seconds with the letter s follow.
10h10m30s
